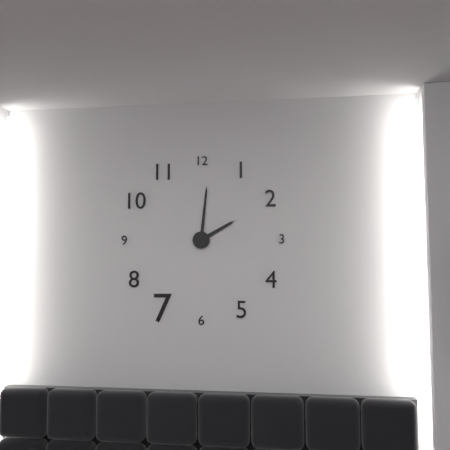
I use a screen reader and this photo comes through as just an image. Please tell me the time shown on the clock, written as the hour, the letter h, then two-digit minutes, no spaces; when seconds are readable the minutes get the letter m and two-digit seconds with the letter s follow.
2h01
